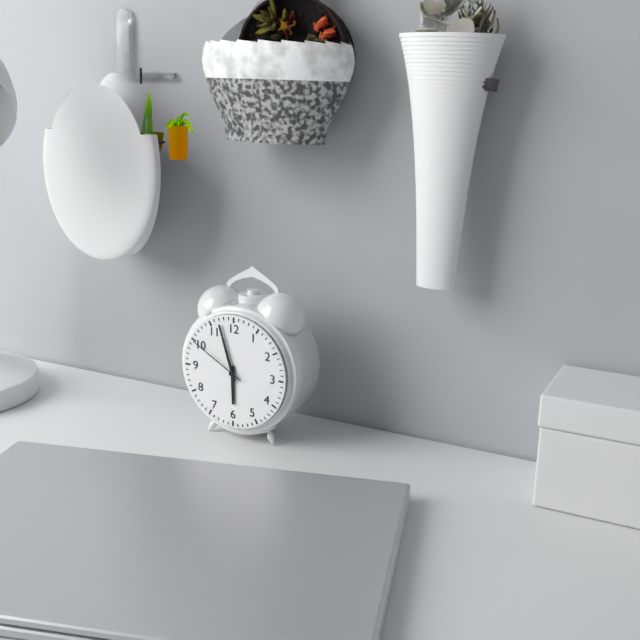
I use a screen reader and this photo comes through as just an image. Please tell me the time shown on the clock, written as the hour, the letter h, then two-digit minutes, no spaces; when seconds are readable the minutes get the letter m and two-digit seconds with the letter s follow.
5h57m50s
